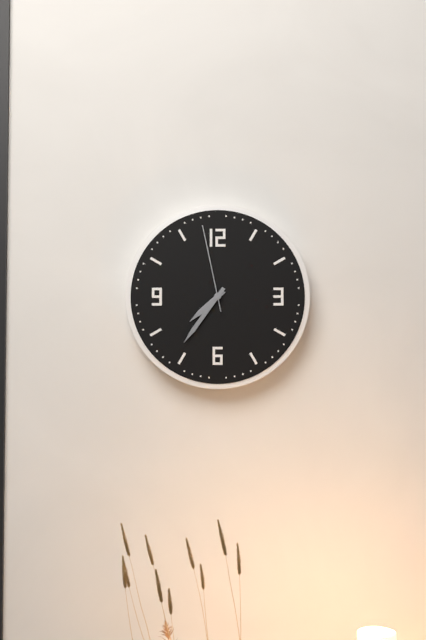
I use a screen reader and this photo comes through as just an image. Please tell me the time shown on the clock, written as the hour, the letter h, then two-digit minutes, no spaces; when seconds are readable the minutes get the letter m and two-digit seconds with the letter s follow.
7h36m58s
